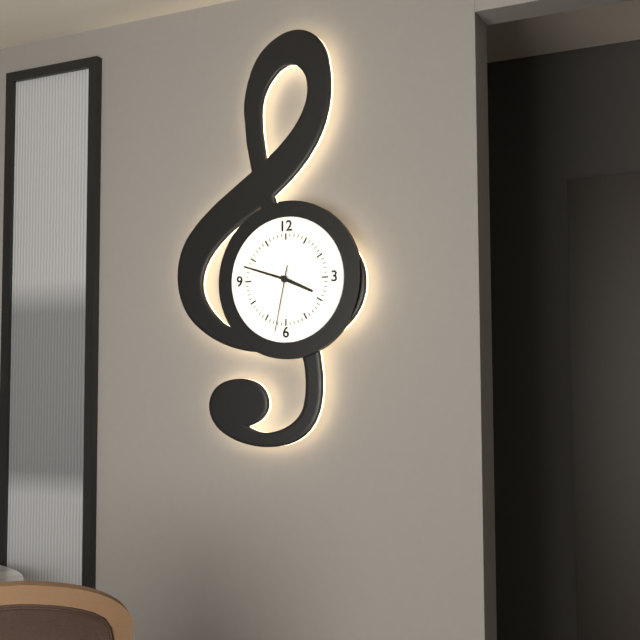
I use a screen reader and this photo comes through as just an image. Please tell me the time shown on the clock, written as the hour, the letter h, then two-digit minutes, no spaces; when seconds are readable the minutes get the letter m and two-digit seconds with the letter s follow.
3h48m32s
